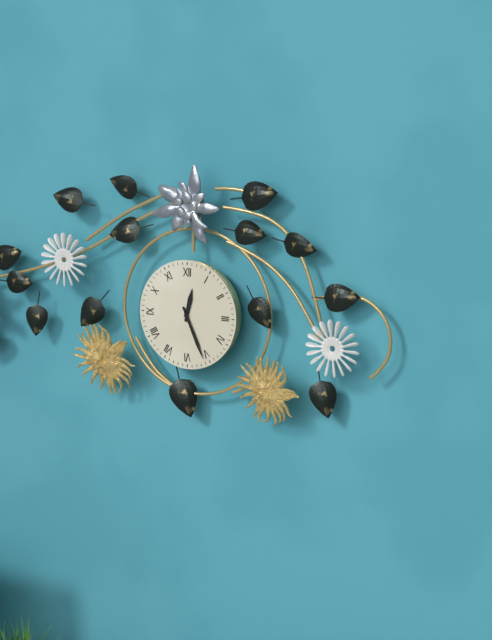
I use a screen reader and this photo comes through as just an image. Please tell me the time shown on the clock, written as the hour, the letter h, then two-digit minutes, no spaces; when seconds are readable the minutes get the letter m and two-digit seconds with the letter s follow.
12h26
